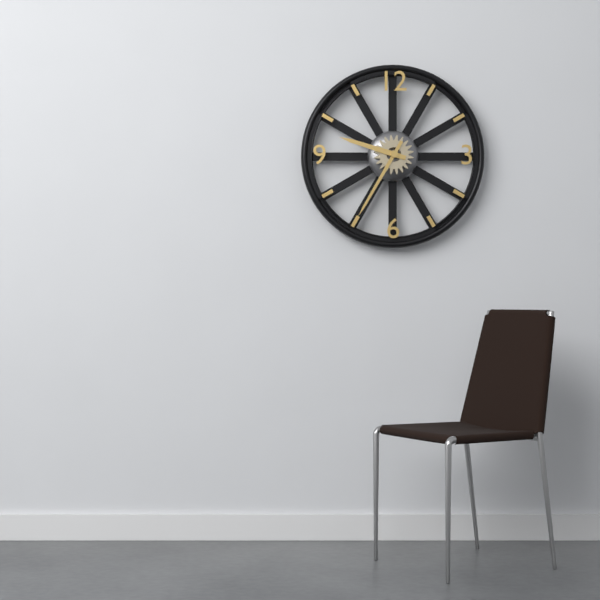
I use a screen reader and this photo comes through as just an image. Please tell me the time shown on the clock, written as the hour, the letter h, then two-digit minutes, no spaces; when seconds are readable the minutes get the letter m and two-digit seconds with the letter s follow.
9h35
